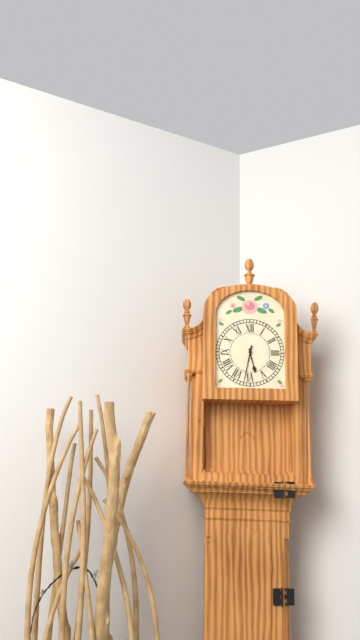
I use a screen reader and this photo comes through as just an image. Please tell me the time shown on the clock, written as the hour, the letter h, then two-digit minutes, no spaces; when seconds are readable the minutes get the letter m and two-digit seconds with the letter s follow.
5h32
